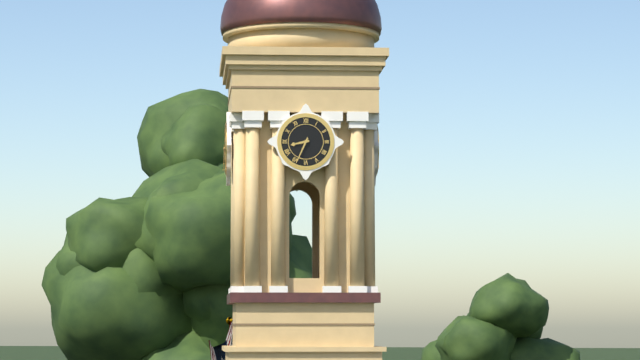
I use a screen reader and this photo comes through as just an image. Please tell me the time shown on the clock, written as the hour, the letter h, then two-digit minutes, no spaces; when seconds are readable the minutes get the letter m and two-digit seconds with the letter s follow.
8h34
